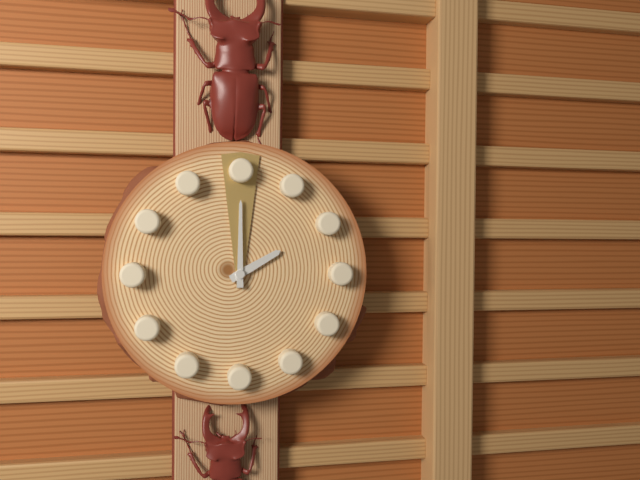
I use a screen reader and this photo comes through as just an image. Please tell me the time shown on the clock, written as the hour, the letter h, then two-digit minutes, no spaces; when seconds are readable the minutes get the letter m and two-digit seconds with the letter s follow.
2h00m00s
